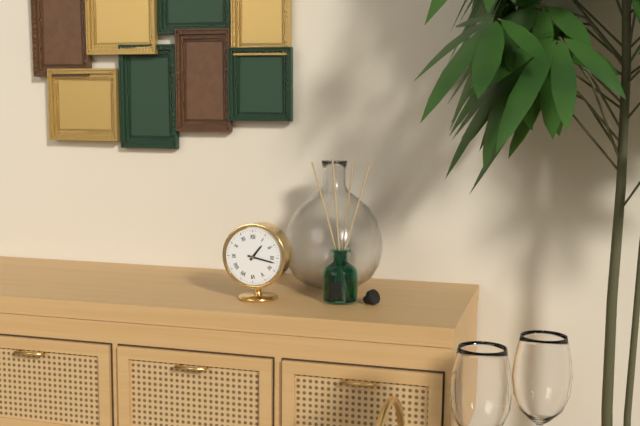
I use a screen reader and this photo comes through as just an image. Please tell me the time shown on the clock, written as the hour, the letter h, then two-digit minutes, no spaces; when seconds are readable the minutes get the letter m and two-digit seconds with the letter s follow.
1h17
